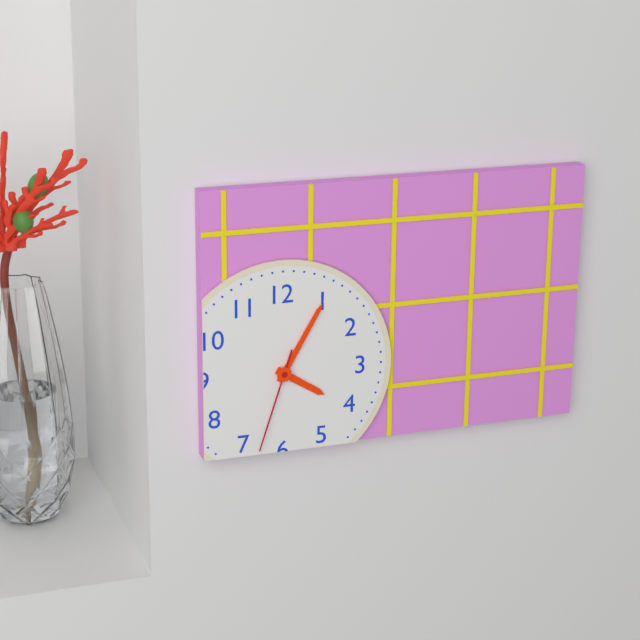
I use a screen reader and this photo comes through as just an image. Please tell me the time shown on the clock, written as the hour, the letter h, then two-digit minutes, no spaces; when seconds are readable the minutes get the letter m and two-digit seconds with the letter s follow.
4h05m33s
